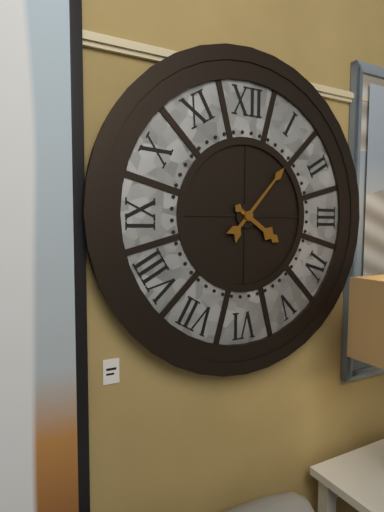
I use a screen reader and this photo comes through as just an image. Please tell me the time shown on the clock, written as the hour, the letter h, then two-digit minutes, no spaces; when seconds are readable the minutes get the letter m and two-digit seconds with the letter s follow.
4h07
